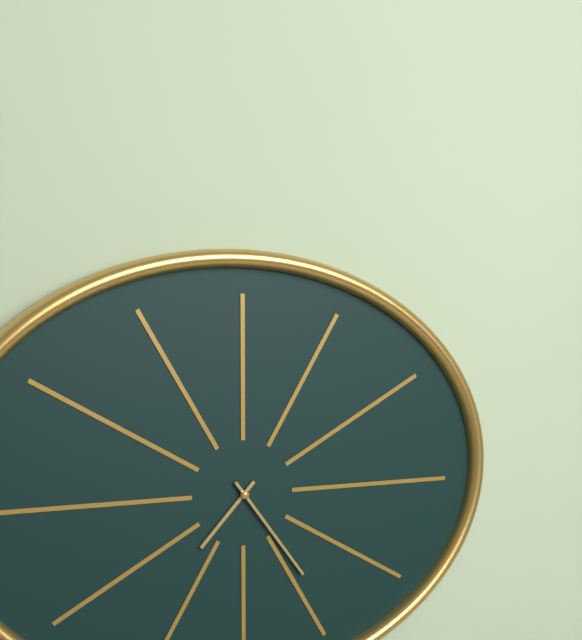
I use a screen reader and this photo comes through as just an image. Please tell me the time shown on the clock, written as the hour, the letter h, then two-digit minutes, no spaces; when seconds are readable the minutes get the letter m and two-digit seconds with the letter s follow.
7h24
